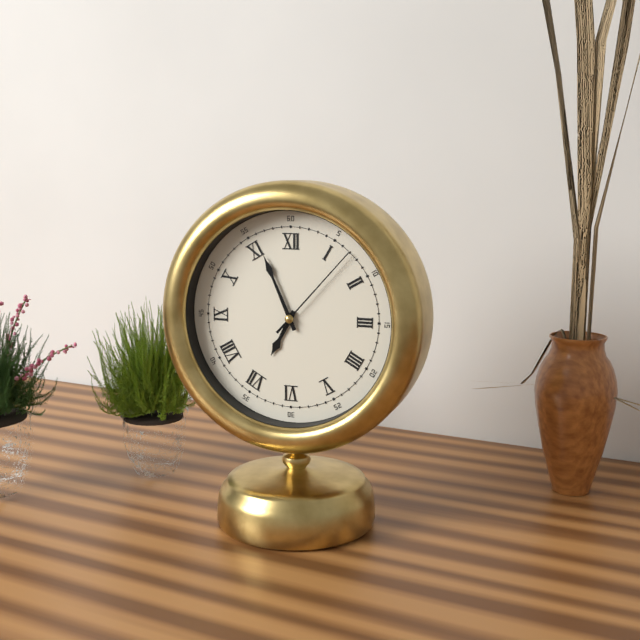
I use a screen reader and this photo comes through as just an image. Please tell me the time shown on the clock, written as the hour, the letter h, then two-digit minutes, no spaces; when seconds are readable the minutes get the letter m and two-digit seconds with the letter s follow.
6h56m07s
